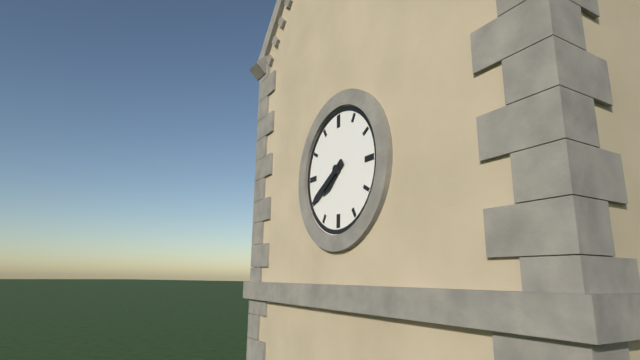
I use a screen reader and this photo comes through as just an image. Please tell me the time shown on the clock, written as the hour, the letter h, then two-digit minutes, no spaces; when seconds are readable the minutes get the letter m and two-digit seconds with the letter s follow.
7h40
